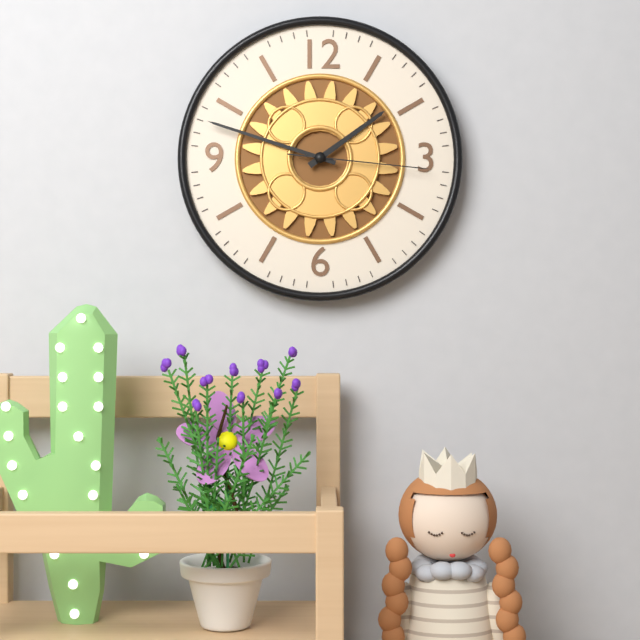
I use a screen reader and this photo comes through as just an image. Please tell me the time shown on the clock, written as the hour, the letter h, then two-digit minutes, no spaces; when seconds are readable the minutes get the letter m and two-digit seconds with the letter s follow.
1h48m16s
